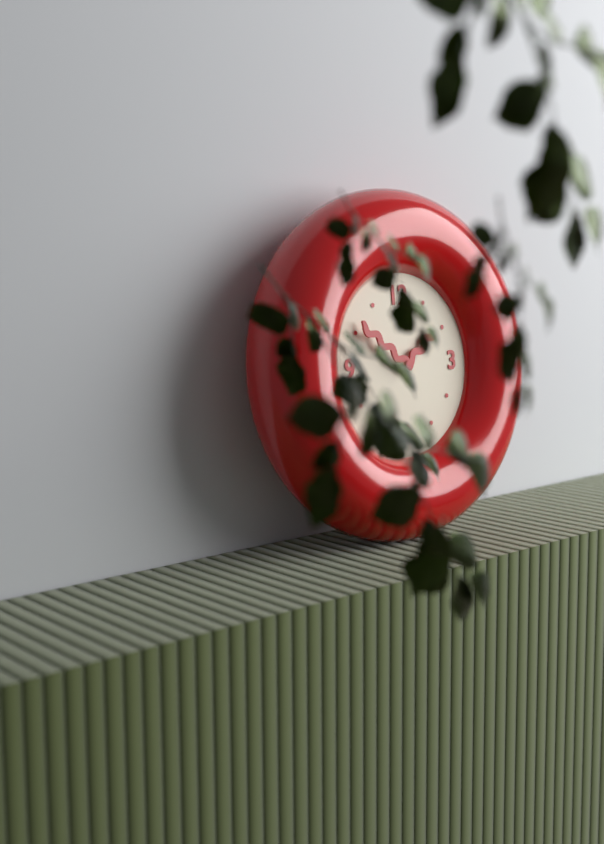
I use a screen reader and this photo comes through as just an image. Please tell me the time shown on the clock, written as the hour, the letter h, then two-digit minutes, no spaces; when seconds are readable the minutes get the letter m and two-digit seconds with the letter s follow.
1h51
